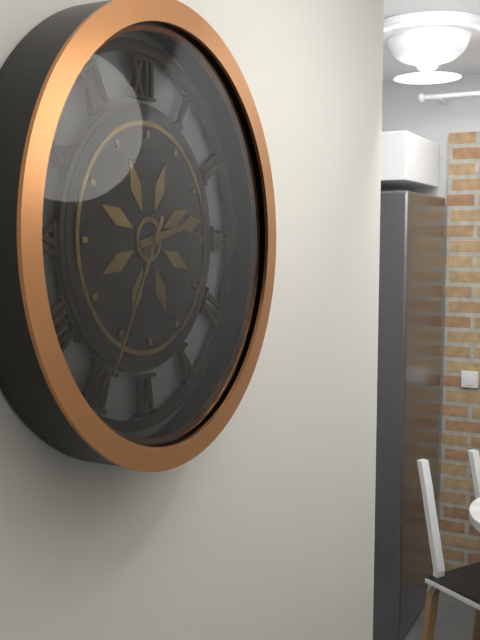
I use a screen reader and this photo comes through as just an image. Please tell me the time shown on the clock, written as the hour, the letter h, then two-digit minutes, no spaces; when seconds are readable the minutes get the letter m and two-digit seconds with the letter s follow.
2h35
